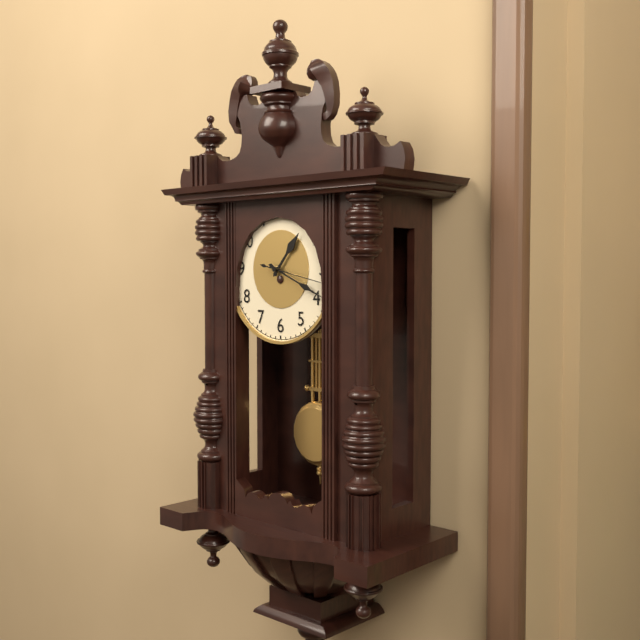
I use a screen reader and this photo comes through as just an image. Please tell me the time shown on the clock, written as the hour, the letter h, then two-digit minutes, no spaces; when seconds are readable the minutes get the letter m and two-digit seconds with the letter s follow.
1h19m17s
